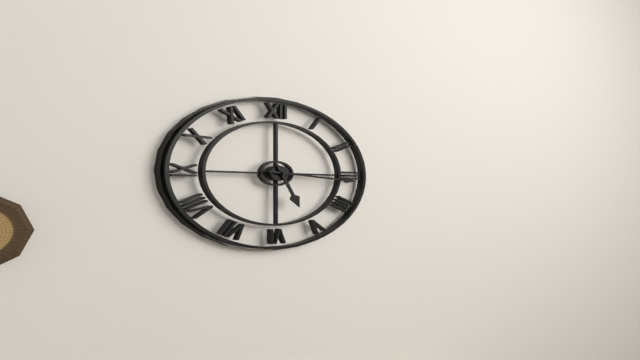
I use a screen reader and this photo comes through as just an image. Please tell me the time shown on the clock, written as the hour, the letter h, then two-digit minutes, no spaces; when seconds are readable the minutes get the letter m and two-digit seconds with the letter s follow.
5h16
